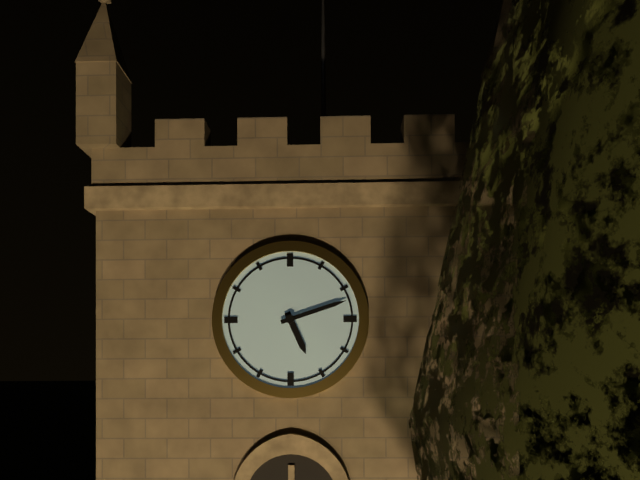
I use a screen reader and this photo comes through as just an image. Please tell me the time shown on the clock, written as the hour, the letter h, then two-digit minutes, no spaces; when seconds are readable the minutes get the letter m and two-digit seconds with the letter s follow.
5h12
